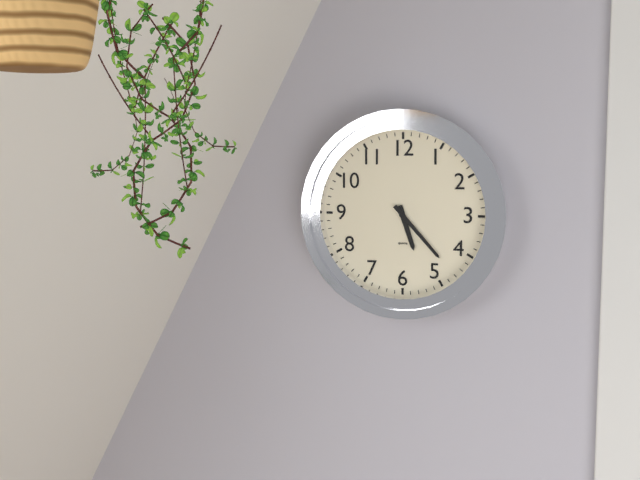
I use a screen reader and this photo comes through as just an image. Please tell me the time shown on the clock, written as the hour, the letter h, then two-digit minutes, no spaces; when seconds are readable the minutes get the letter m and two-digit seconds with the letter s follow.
5h23
